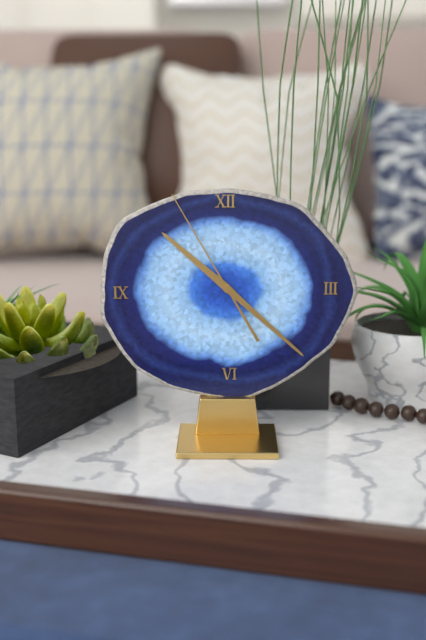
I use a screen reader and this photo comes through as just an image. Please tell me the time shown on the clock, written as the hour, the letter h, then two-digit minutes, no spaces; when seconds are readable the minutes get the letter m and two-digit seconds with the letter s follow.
10h22m55s
